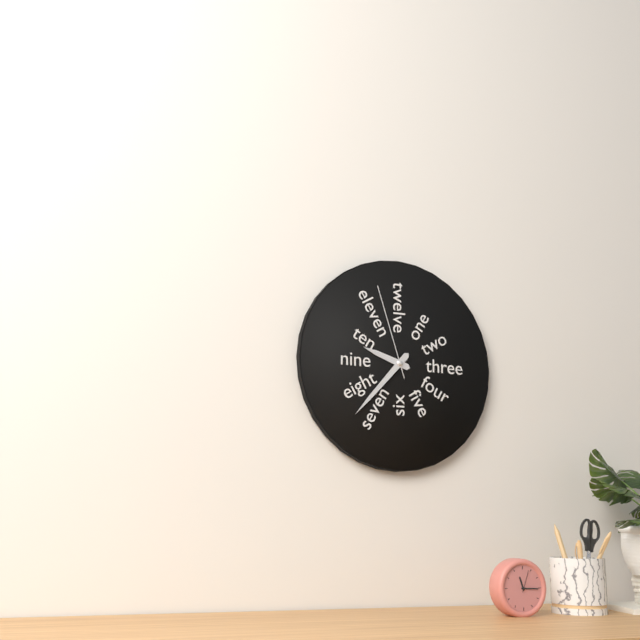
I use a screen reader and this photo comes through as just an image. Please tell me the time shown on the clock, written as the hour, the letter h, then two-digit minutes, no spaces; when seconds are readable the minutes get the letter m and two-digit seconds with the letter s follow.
9h37m57s
